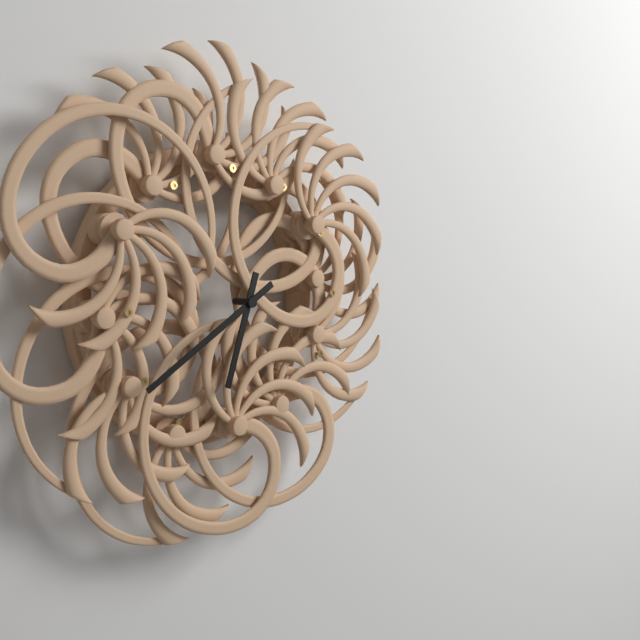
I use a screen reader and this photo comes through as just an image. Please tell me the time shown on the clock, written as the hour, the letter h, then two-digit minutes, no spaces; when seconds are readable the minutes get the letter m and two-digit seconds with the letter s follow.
6h40
